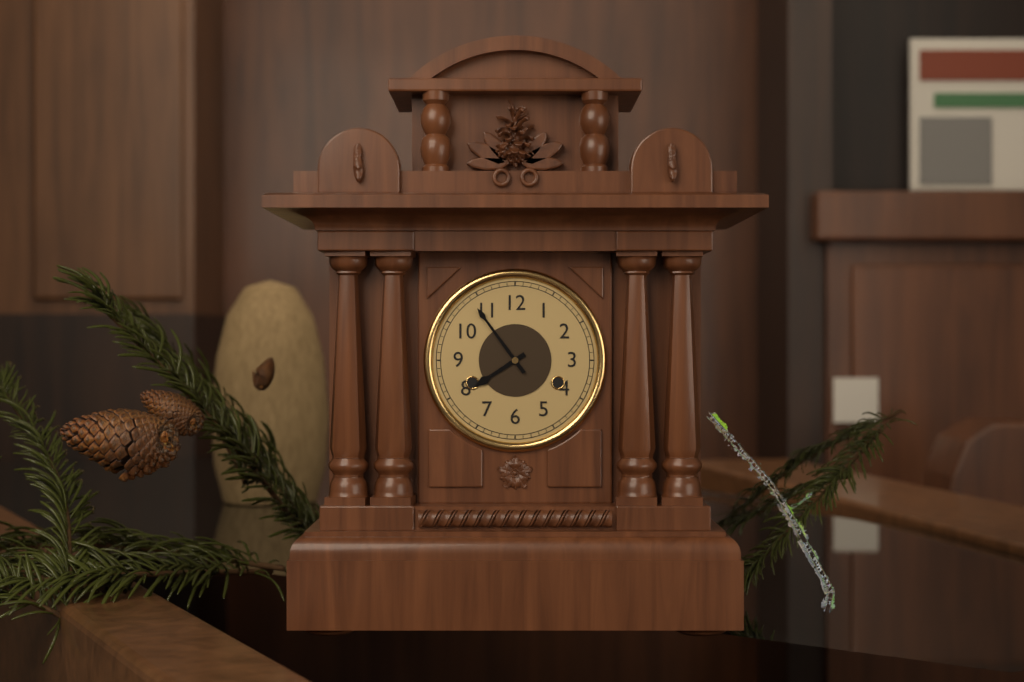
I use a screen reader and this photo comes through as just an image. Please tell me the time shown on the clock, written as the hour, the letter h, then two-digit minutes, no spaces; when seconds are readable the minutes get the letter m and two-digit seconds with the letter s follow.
7h54
